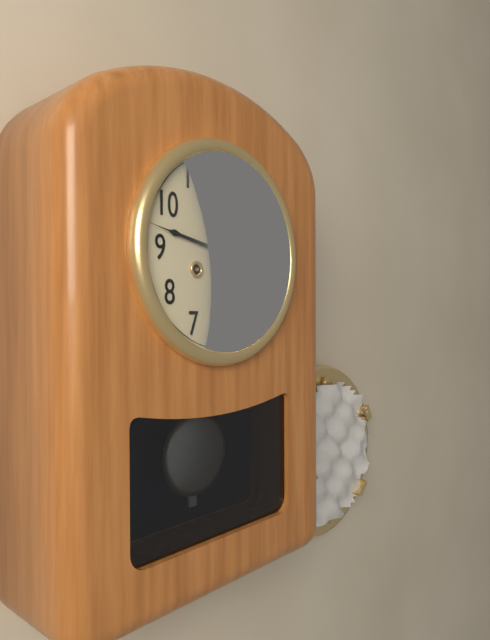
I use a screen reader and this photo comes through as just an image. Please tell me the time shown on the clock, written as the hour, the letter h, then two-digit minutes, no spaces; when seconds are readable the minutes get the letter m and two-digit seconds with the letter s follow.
2h47
